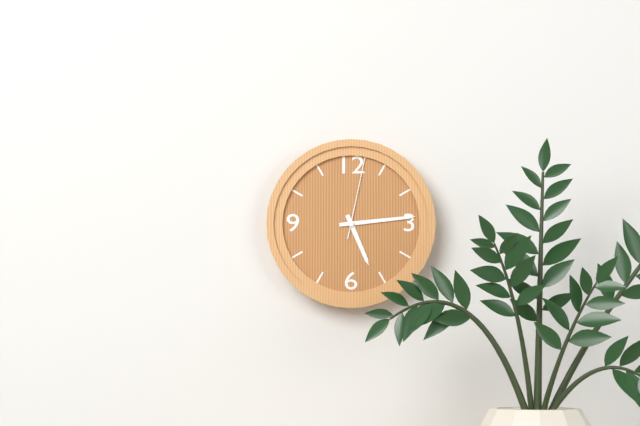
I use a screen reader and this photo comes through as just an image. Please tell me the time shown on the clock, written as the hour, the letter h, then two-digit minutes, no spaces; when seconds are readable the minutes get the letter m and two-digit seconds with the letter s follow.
5h14m02s
